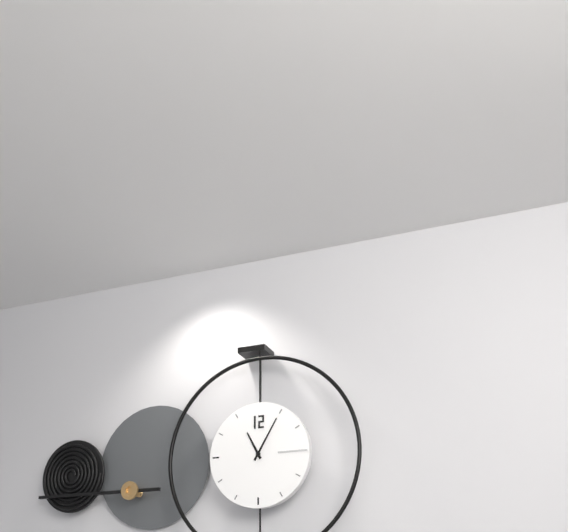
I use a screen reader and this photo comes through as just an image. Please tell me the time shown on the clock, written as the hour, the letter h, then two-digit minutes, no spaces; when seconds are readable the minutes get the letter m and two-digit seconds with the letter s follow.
11h05
